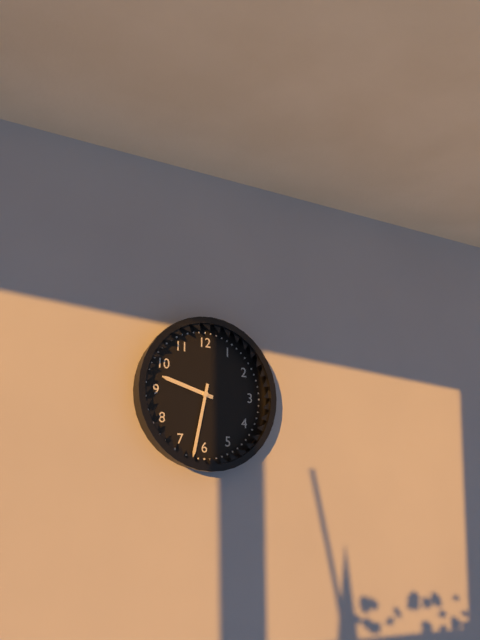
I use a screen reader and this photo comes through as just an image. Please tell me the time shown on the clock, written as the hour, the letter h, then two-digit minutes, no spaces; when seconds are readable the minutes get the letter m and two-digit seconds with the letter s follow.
9h32
